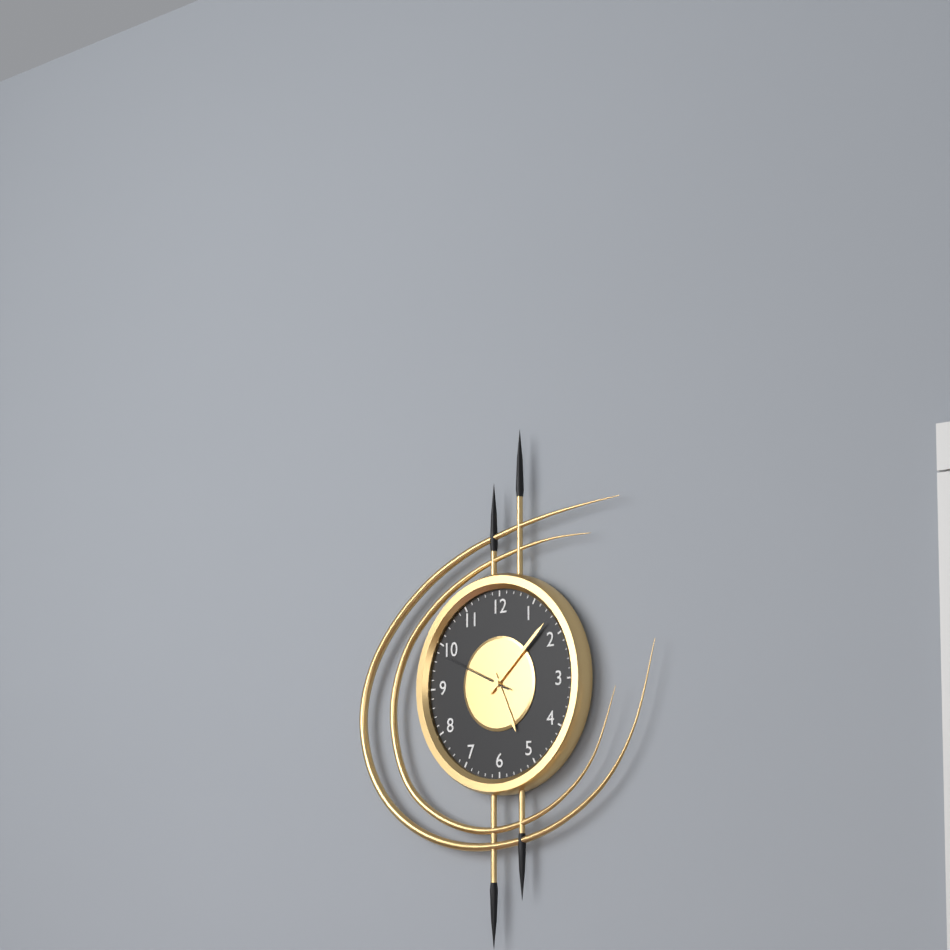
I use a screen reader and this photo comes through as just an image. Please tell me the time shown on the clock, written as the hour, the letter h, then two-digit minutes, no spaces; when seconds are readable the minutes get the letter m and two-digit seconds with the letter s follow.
5h08m49s
